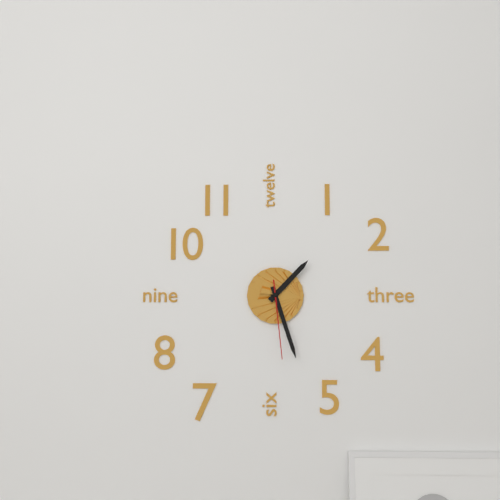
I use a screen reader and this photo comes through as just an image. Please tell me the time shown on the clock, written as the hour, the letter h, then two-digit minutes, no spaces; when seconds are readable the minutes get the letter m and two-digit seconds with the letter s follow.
1h27m29s
